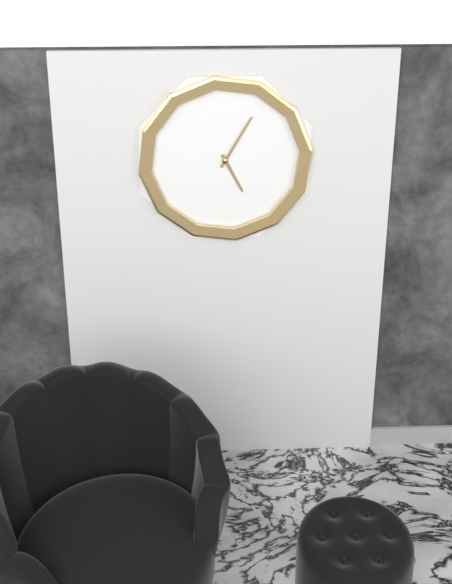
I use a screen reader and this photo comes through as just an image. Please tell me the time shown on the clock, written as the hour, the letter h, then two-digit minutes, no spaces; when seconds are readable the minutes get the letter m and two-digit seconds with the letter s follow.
5h05
